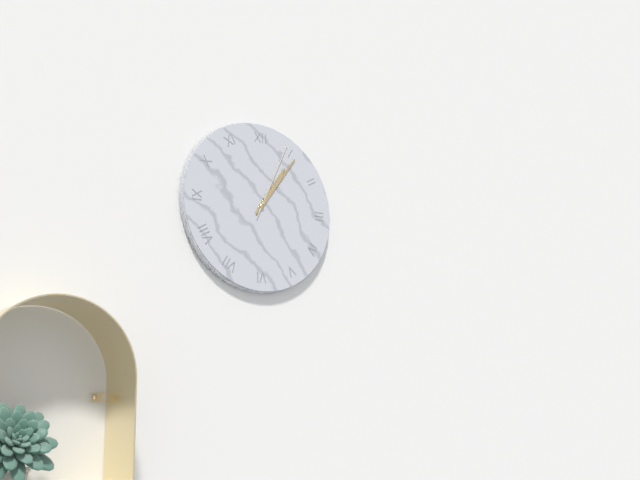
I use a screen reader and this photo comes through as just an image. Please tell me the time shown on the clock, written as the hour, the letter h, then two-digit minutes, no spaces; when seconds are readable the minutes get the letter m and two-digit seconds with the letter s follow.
1h06m04s
